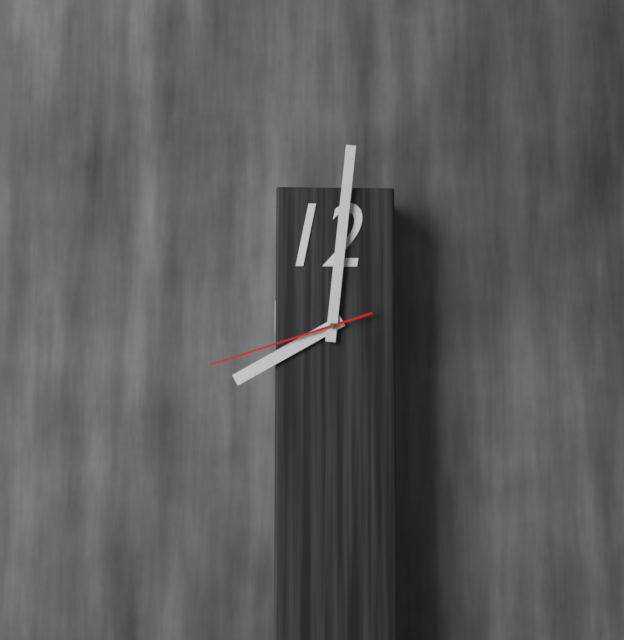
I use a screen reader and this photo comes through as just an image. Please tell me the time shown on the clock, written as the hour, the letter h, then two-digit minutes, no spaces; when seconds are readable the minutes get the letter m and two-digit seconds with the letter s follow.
8h01m42s
